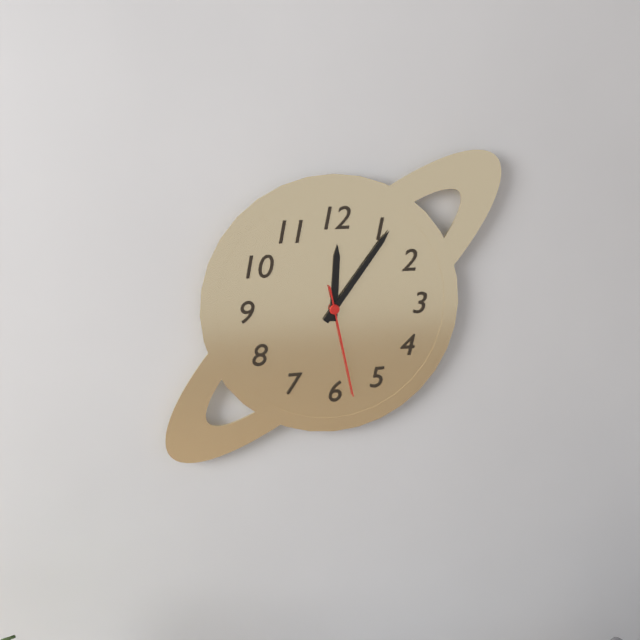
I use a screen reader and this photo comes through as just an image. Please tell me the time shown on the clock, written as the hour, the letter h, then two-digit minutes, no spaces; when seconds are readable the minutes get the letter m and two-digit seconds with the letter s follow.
12h06m28s
